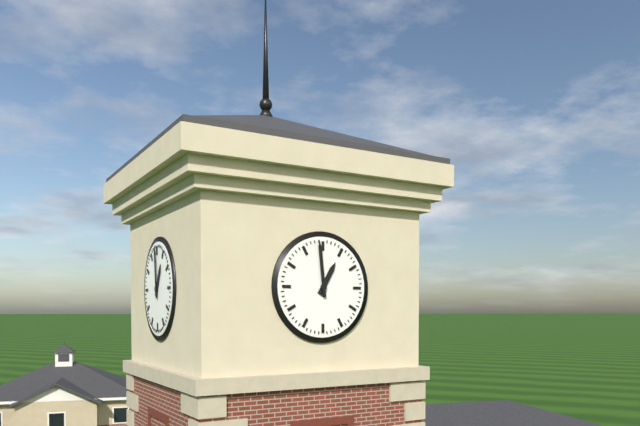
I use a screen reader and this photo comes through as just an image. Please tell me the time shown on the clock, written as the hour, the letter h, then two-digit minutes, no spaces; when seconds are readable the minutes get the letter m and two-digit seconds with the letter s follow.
12h59
